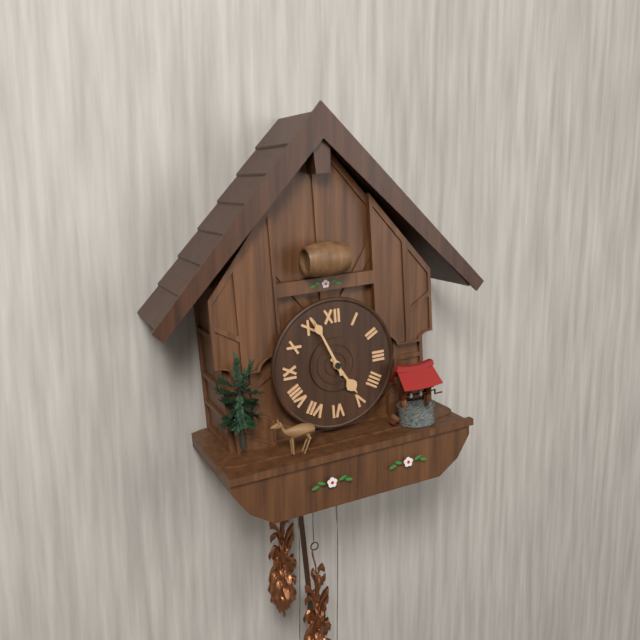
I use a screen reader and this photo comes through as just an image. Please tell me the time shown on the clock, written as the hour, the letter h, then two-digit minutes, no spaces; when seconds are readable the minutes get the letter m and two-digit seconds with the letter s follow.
4h56
